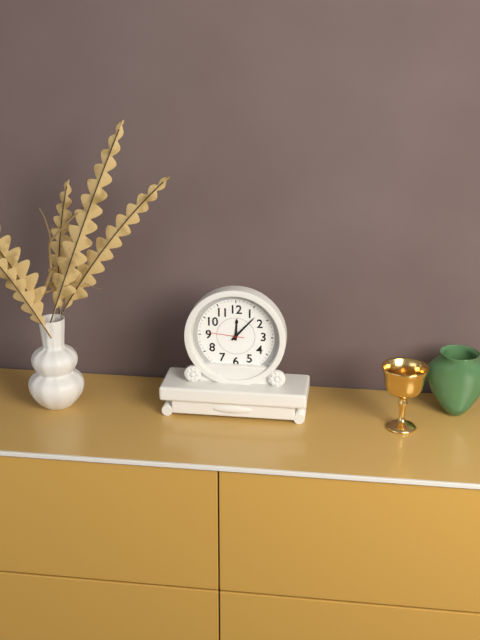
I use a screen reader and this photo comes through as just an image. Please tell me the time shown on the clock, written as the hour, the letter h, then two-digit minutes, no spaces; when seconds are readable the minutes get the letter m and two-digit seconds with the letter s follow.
12h07
